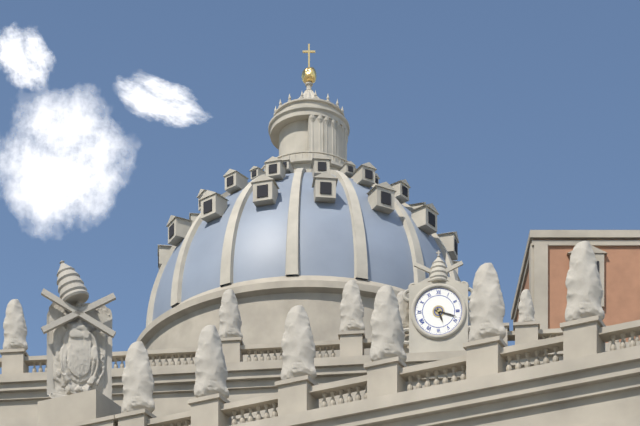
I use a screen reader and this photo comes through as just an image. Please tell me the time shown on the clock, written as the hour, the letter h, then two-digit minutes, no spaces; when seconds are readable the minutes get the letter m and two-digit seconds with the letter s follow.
5h18
